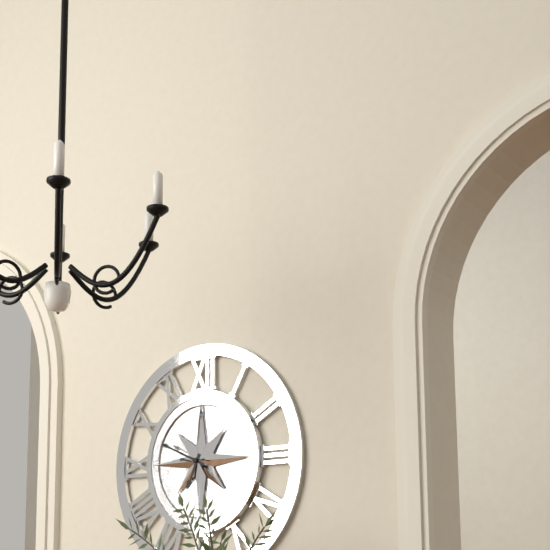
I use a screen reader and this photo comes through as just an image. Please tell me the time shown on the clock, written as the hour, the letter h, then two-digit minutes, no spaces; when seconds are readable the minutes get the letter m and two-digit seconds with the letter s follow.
6h49
